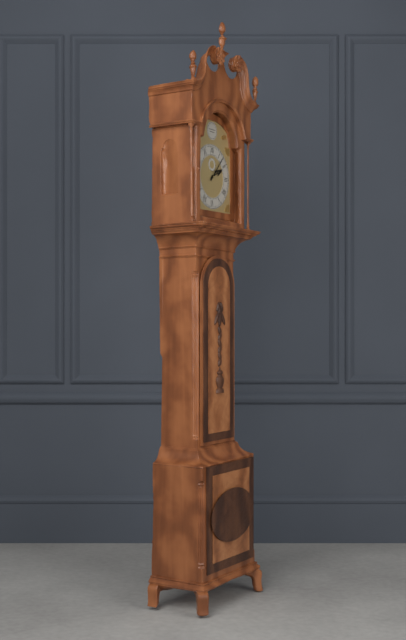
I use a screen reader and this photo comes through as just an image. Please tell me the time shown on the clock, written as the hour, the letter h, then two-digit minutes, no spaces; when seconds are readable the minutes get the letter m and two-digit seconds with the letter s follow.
2h07
